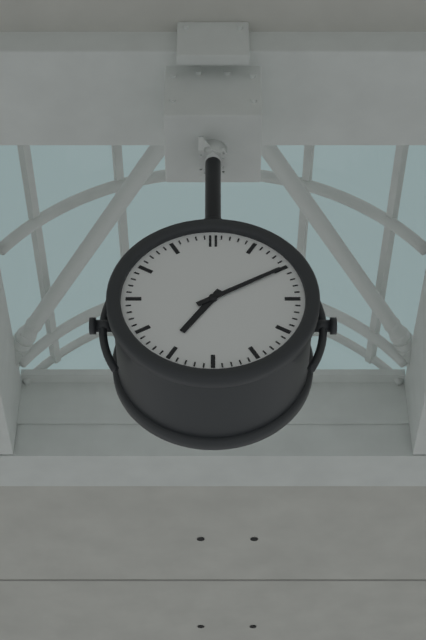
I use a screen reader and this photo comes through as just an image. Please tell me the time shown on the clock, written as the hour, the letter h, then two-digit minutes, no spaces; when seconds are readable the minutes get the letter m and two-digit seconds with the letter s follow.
7h10
